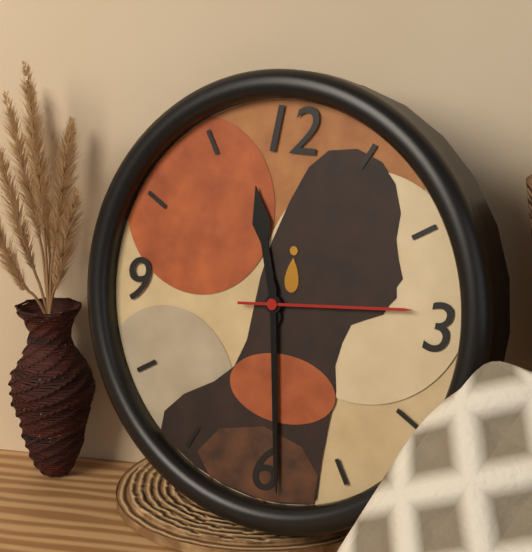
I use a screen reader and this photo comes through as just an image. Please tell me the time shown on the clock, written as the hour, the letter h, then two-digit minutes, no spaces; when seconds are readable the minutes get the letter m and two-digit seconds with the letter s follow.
11h29m14s
